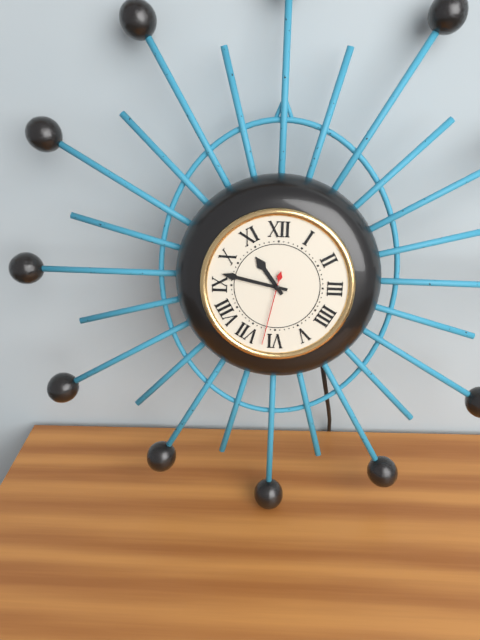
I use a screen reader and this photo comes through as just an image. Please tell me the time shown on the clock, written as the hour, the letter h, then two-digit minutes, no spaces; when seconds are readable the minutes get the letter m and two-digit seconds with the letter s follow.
10h47m32s
